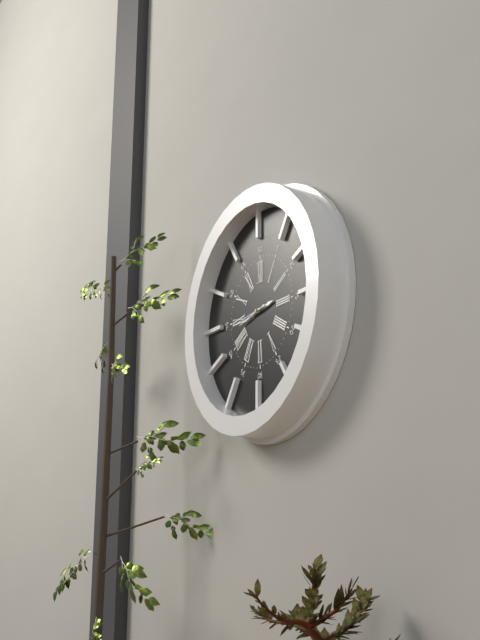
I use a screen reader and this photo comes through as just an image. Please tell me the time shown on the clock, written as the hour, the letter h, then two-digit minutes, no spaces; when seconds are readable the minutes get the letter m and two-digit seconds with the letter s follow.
2h43
